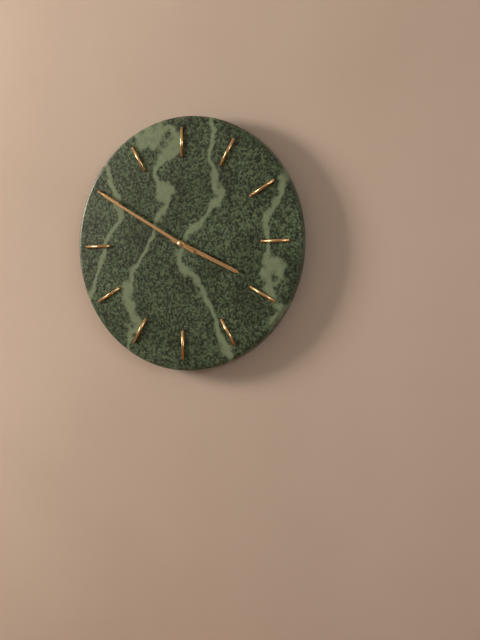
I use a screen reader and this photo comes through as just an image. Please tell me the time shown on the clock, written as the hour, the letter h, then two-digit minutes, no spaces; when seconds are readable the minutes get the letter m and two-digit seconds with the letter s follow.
3h50
